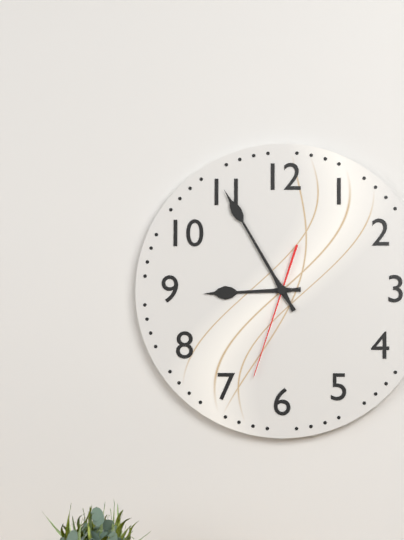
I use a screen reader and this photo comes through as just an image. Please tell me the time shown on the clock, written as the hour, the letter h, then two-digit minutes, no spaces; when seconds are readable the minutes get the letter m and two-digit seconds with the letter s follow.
8h55m33s
